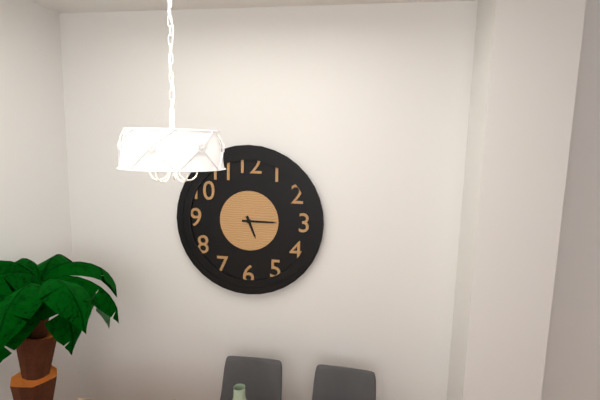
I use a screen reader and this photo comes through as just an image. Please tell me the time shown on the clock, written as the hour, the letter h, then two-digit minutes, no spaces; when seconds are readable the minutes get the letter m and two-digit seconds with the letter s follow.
5h15
